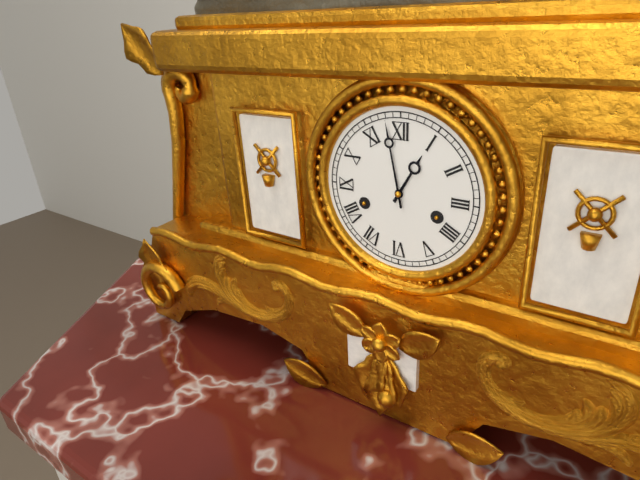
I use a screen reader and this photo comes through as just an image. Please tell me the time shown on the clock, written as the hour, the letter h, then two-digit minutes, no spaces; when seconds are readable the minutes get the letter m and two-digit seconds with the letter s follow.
12h58
